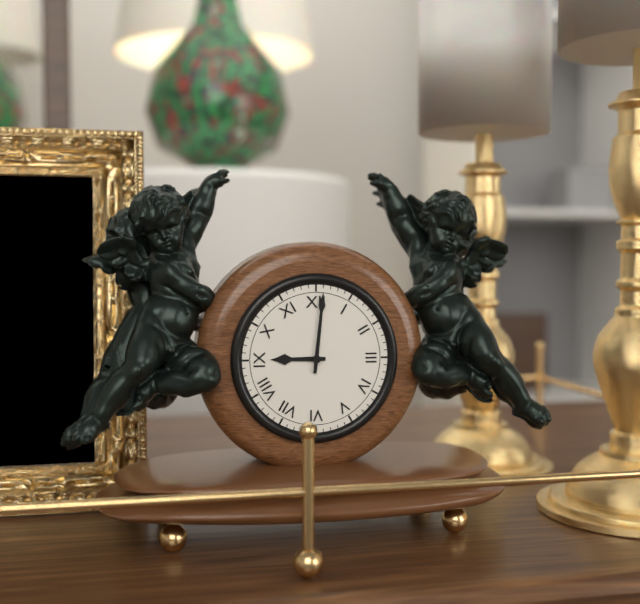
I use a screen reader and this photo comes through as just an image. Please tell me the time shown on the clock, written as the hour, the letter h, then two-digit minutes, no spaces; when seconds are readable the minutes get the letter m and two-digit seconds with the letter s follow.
9h01
